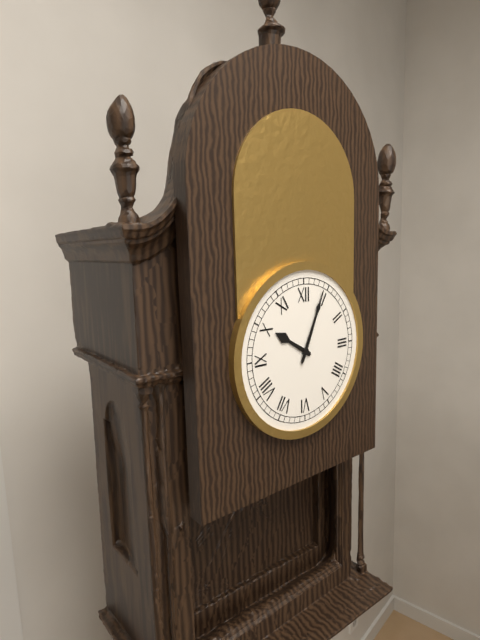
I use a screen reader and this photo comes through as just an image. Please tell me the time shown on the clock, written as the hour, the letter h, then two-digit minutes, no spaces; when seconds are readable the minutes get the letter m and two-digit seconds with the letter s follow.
10h04
